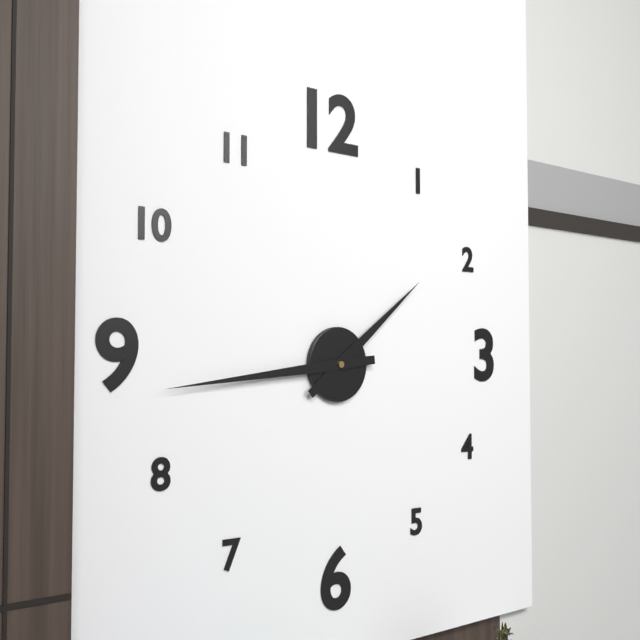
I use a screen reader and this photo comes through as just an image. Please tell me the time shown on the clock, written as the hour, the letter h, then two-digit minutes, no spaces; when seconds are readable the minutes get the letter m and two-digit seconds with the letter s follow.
1h44
